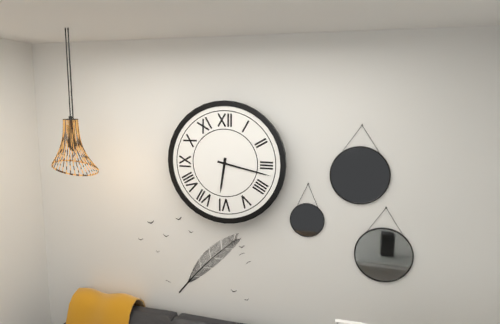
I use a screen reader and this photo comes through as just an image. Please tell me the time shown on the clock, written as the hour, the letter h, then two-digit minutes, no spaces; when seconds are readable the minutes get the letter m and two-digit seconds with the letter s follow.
6h17
